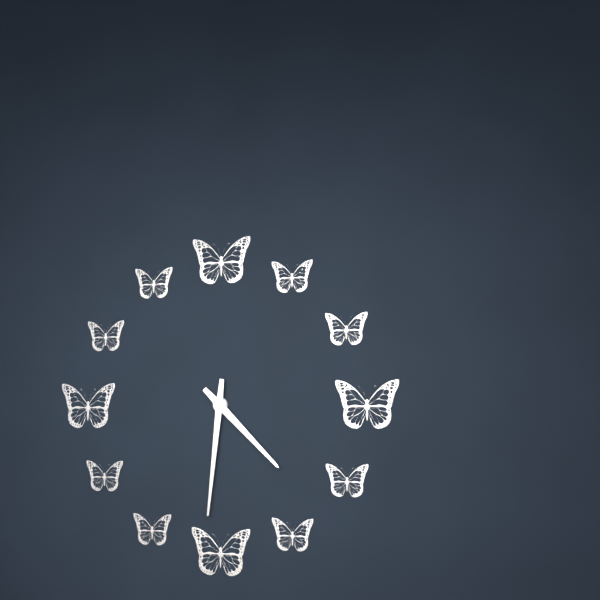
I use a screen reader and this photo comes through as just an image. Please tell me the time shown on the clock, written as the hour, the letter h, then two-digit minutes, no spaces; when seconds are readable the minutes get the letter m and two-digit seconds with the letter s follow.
4h31
